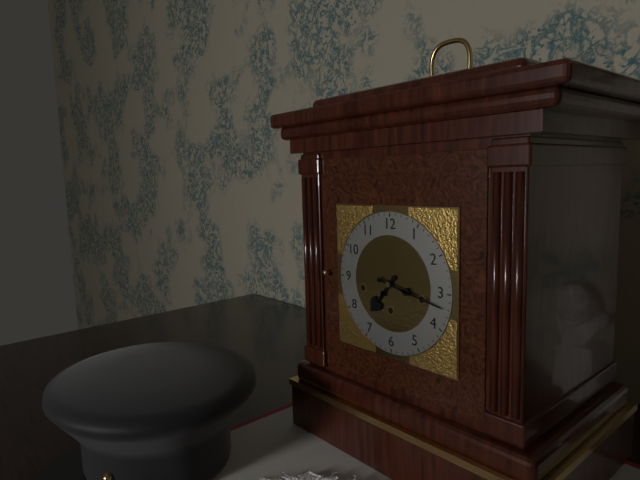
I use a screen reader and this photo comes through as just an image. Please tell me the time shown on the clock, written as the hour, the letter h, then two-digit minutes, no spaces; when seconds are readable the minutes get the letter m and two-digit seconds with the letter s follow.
7h17
